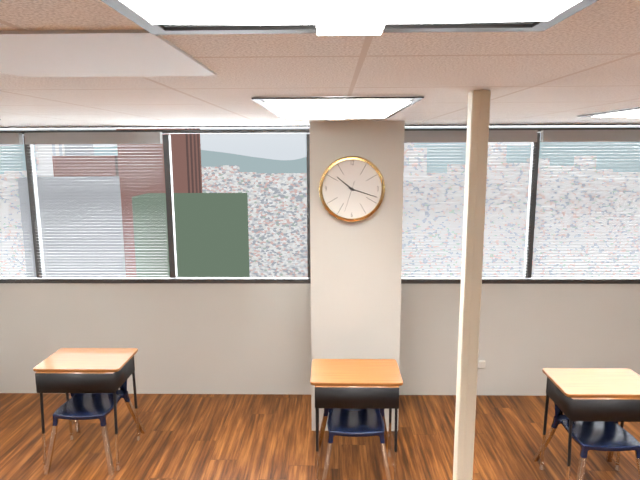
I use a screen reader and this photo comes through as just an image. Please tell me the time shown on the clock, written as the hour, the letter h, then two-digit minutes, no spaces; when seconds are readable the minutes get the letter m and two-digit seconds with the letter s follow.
10h18
